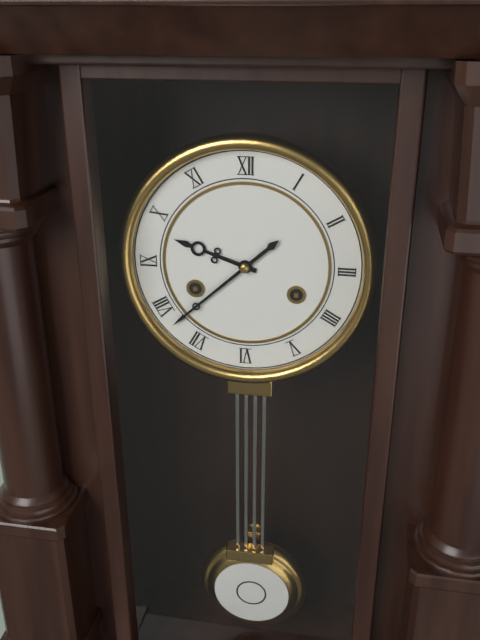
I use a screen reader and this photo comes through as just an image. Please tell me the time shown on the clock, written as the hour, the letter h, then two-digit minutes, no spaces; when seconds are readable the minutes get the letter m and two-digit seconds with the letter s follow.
9h38
